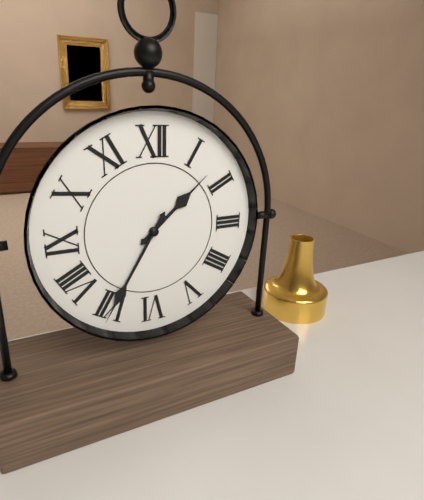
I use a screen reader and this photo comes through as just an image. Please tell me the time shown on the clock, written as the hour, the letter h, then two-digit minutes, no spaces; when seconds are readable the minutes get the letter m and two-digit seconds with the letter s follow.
1h35
